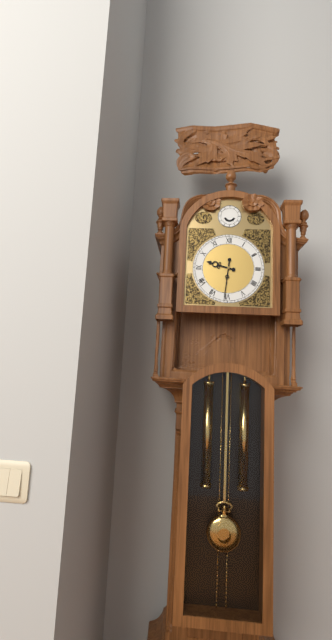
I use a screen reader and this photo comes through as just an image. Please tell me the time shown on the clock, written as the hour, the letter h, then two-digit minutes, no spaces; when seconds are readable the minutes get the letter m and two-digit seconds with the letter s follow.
9h31
